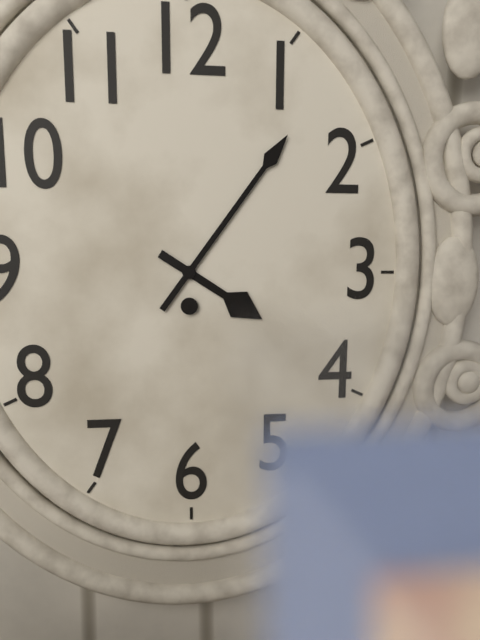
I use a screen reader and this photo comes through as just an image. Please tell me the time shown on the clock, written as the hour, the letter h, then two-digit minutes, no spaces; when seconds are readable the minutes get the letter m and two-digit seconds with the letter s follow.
4h06
